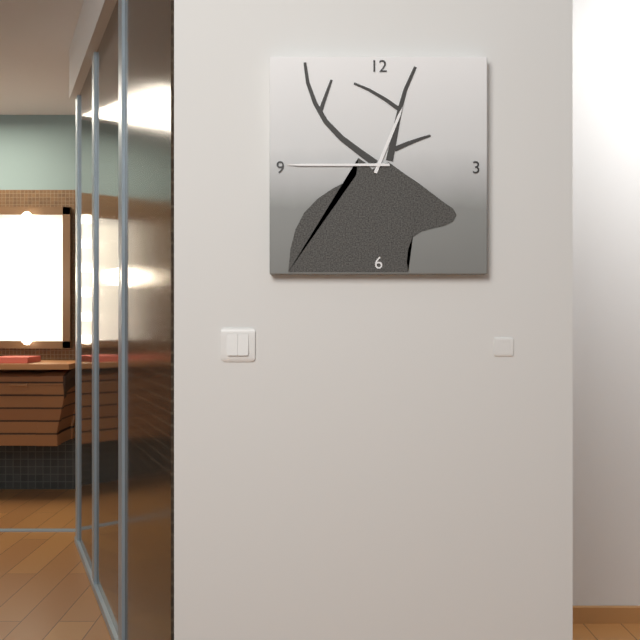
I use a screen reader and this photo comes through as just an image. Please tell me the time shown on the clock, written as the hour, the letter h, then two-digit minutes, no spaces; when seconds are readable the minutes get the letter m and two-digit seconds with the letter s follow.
12h45
